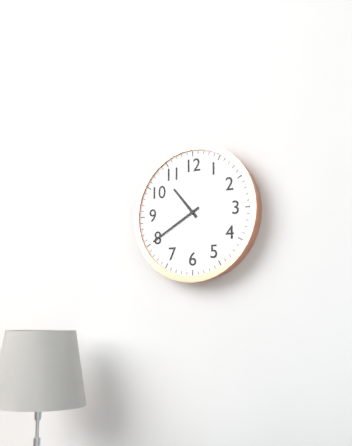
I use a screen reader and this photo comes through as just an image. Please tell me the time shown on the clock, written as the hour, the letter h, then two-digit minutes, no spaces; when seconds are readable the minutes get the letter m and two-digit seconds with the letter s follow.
10h40
